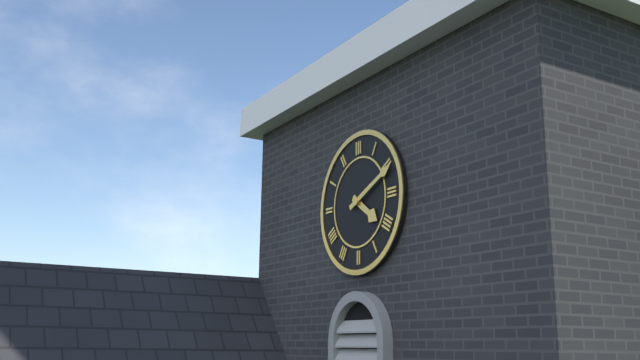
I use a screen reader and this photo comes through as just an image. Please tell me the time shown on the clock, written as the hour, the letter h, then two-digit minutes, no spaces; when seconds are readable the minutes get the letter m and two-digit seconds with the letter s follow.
4h11
